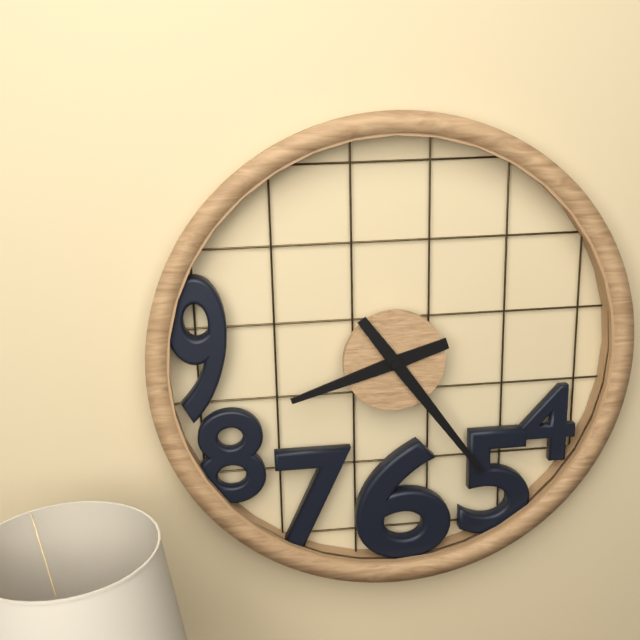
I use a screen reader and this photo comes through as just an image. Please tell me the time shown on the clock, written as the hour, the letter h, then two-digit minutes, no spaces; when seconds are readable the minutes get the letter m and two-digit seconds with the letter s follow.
8h24
